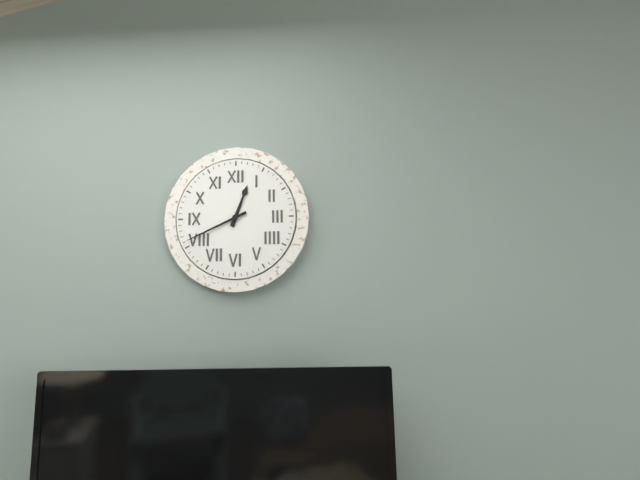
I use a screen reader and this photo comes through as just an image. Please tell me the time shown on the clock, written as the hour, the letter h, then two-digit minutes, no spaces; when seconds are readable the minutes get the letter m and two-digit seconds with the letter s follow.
12h41
